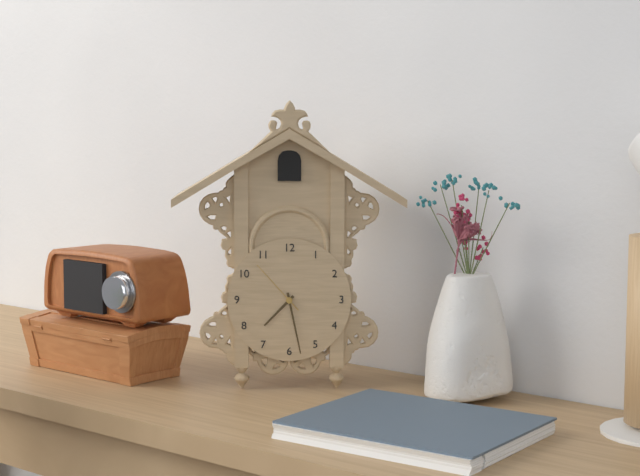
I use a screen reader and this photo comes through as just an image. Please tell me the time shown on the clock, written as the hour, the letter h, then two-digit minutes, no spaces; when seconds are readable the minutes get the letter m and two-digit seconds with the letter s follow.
7h28m53s
